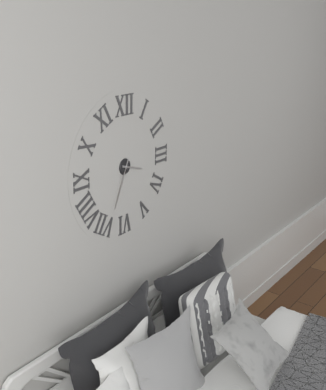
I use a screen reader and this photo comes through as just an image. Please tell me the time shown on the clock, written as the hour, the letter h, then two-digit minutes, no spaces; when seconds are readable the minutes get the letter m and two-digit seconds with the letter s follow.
3h34
